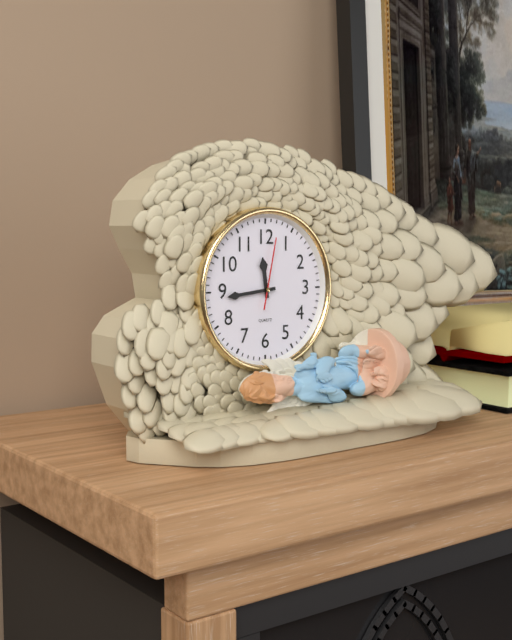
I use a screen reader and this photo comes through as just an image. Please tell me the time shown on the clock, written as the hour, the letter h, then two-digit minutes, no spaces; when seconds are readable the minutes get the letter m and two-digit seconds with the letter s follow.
11h44m02s
